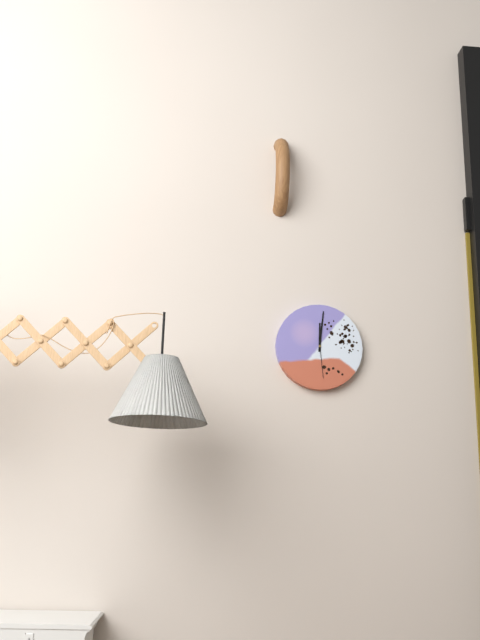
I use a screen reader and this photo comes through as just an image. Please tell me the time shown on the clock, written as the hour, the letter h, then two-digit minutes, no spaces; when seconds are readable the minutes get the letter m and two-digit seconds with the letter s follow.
12h01
